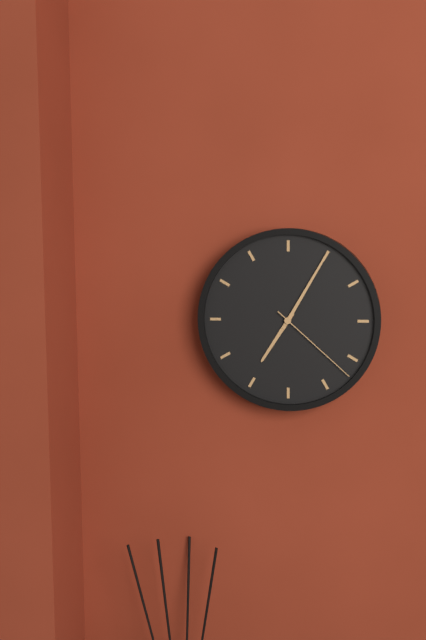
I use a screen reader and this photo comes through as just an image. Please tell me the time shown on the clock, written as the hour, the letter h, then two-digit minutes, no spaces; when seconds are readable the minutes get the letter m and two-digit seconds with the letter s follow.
7h05m22s
